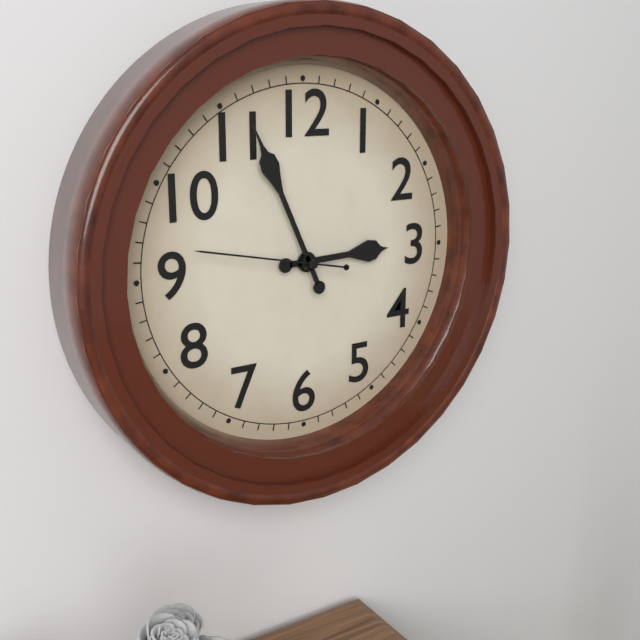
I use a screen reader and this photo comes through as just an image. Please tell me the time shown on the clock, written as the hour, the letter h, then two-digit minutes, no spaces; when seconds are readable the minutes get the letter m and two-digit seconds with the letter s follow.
2h56m47s
